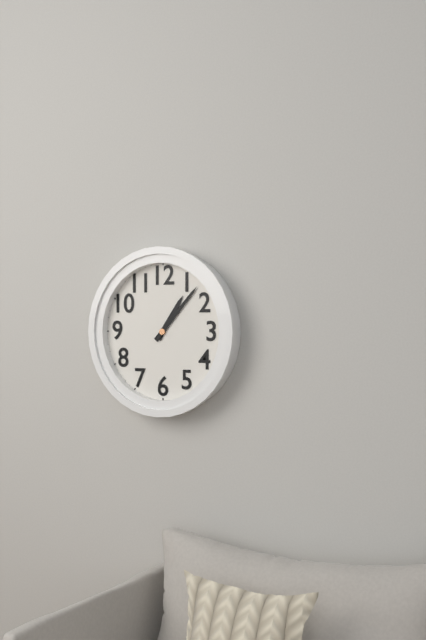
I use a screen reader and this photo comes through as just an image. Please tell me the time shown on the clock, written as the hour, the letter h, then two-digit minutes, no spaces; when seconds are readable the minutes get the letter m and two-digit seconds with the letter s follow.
1h07
